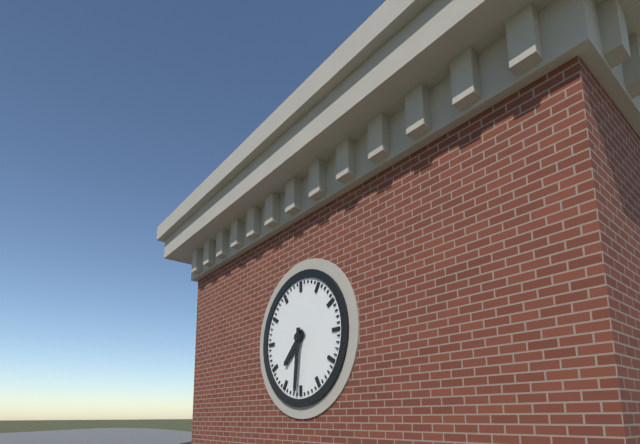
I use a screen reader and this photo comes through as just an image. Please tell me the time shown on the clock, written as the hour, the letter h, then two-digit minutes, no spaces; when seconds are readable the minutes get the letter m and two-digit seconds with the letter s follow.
7h31
